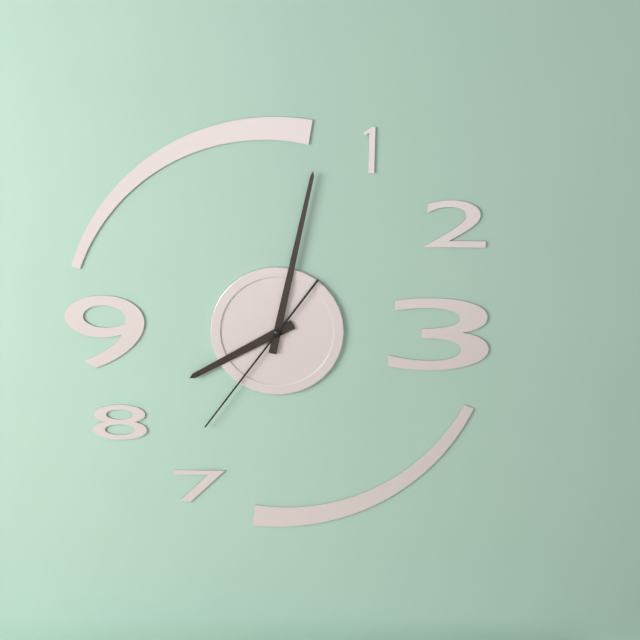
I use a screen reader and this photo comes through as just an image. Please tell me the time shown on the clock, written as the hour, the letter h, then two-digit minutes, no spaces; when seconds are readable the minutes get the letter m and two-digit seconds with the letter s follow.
8h02m36s
